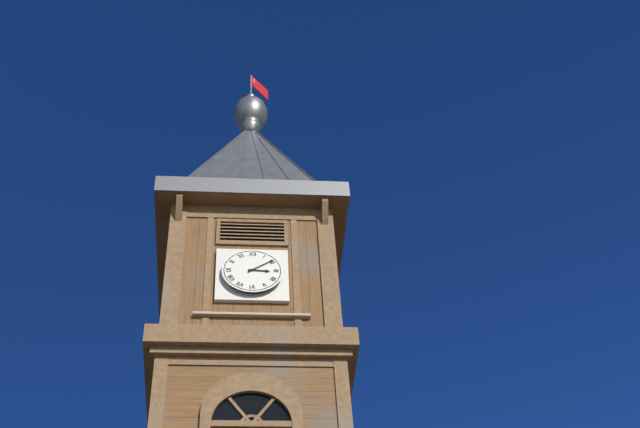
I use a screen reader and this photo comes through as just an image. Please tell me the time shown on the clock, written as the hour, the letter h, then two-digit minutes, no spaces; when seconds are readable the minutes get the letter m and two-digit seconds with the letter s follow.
3h09
